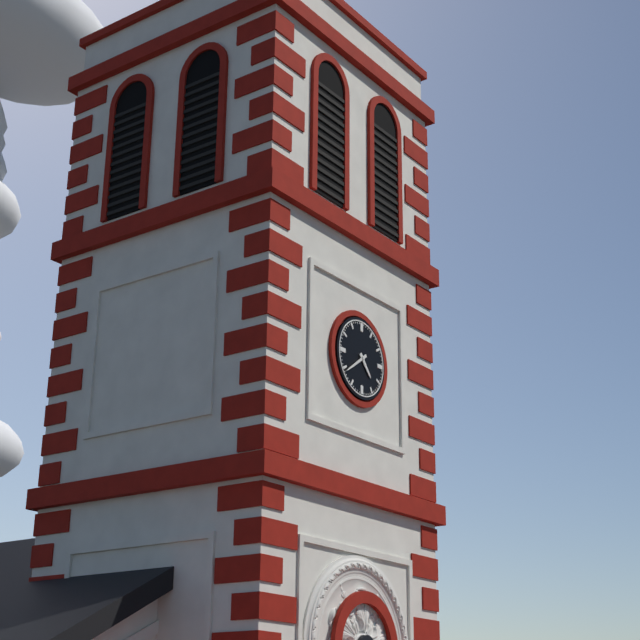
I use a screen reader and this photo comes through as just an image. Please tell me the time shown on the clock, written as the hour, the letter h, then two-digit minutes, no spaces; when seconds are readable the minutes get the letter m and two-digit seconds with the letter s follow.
4h39
